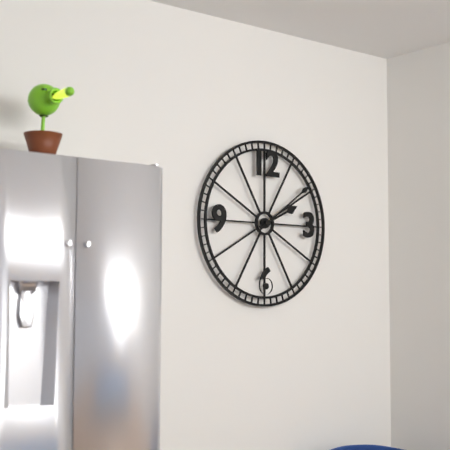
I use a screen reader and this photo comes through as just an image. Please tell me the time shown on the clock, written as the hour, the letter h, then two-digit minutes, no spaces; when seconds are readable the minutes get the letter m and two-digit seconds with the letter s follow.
2h09
